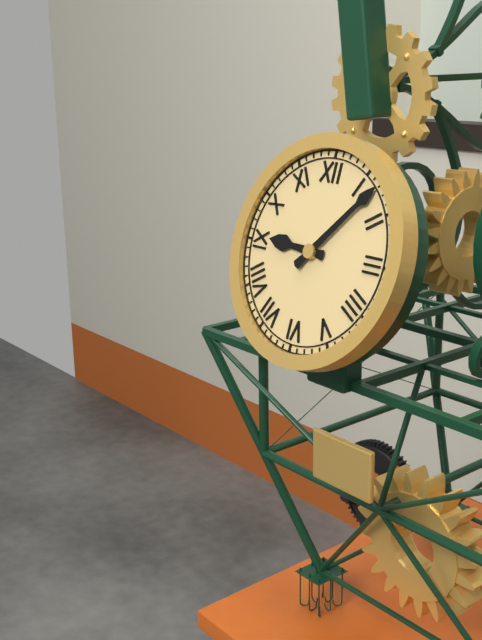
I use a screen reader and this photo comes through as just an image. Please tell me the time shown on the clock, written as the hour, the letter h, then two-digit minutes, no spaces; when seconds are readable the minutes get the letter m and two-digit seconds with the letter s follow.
9h07
